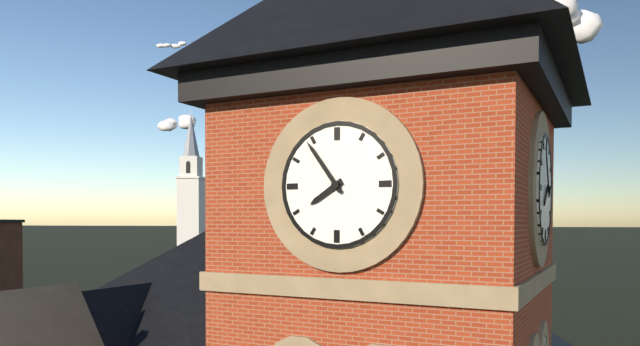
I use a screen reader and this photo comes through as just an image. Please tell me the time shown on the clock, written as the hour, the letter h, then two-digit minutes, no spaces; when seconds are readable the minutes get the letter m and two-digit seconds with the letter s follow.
7h54
